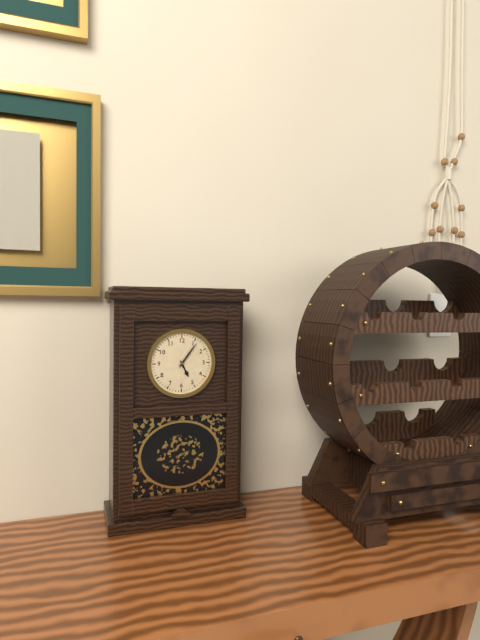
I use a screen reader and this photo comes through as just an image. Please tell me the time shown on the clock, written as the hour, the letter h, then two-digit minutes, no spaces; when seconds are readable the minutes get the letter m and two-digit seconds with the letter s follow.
5h06
